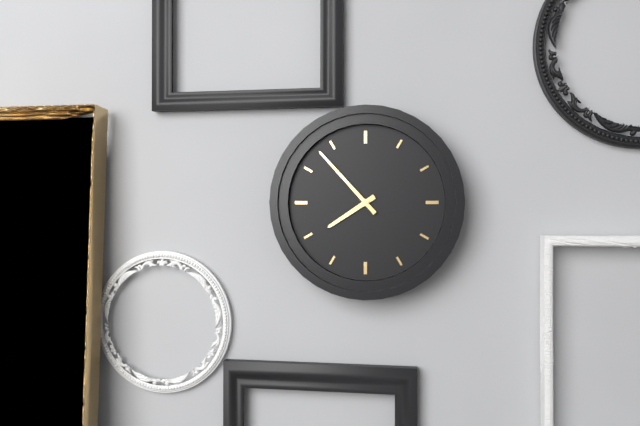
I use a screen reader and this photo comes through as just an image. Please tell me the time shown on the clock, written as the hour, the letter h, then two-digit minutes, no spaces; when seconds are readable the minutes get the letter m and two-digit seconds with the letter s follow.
7h53
